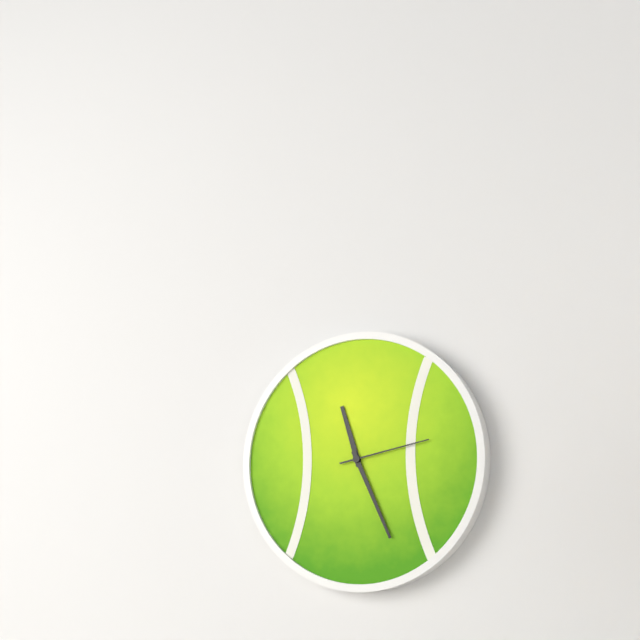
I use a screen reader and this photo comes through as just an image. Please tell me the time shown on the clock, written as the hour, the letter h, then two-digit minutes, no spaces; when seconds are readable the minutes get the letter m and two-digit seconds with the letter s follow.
11h26m13s
